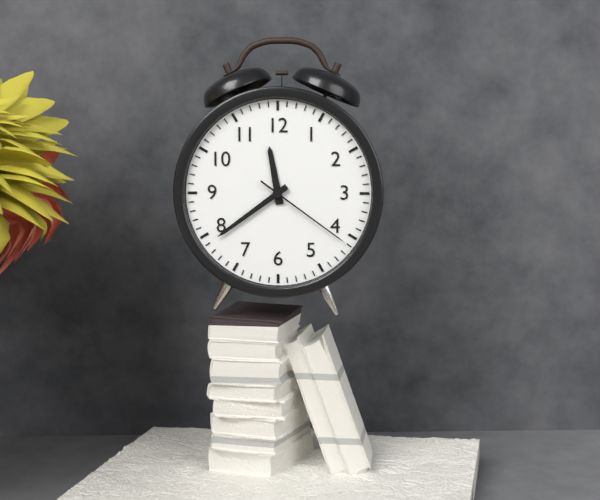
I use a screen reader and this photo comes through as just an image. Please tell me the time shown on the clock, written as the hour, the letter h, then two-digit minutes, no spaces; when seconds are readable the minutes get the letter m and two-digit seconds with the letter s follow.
11h39m21s
